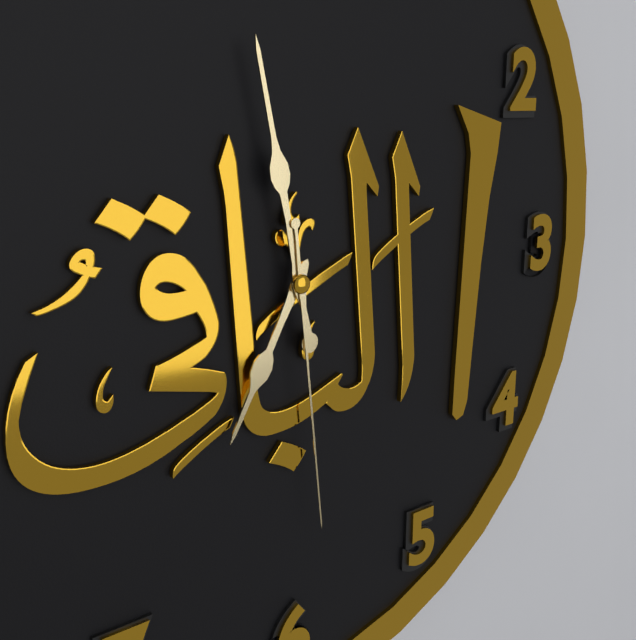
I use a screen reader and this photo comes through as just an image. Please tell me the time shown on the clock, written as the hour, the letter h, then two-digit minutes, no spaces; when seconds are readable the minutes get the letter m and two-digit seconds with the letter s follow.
6h58m29s
